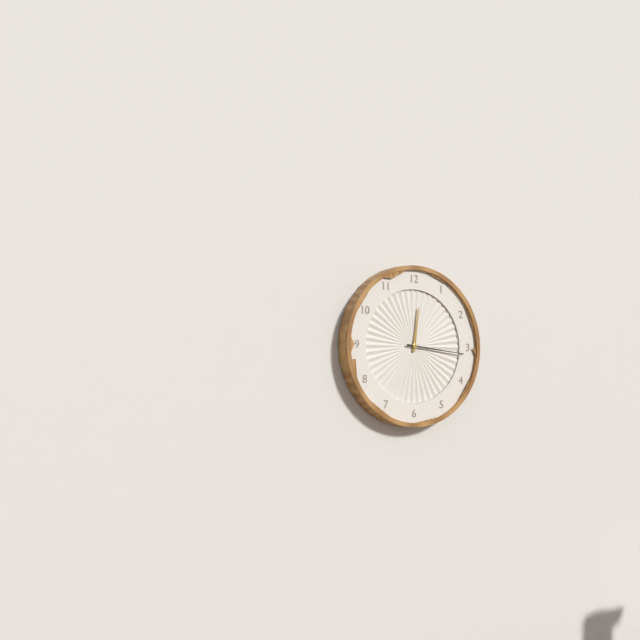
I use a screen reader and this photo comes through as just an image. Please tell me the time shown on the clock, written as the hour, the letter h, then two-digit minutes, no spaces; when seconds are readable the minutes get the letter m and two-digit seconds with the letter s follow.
12h16
